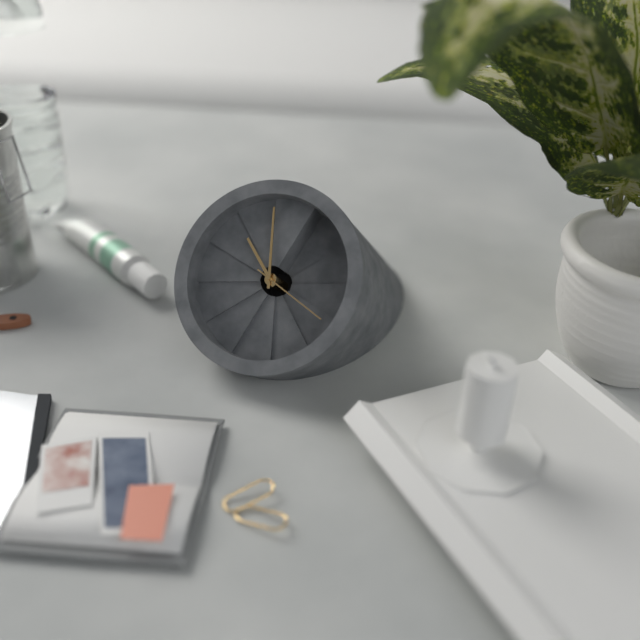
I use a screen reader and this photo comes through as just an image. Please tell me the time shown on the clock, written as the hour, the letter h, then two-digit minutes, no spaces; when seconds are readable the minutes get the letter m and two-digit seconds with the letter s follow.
9h55m16s
